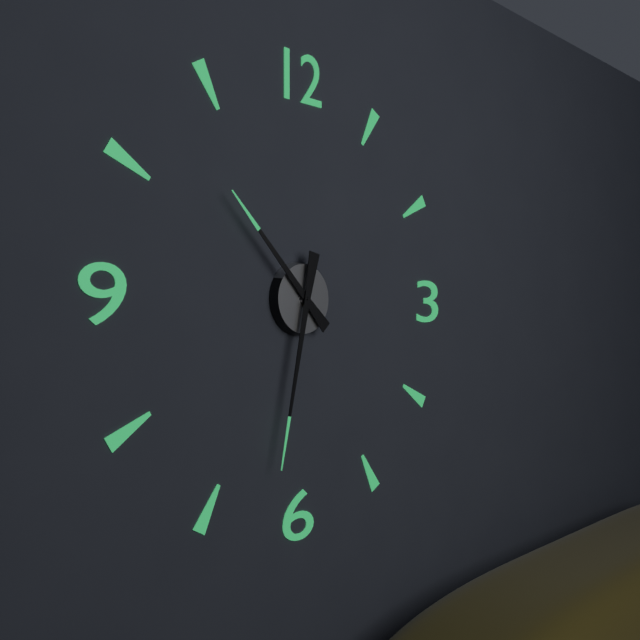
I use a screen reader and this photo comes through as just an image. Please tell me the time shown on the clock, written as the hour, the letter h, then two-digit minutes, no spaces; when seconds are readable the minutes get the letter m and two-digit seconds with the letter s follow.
10h32
